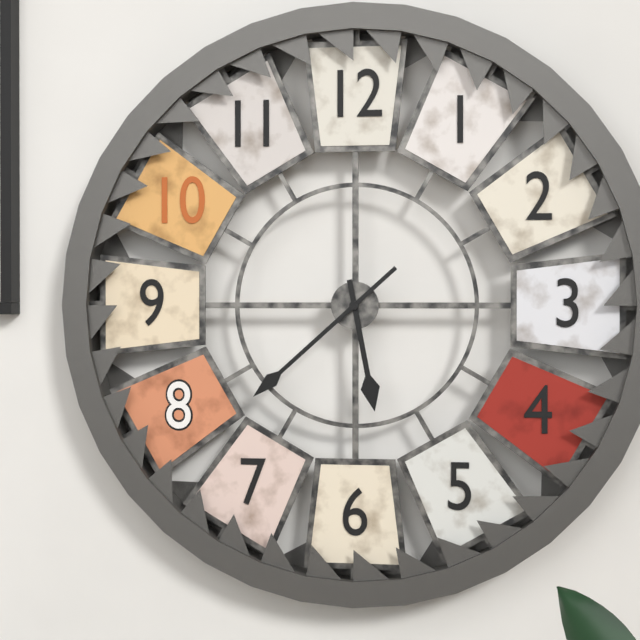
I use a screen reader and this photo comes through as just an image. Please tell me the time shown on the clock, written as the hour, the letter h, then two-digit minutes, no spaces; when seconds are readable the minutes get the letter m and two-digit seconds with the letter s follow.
5h38
